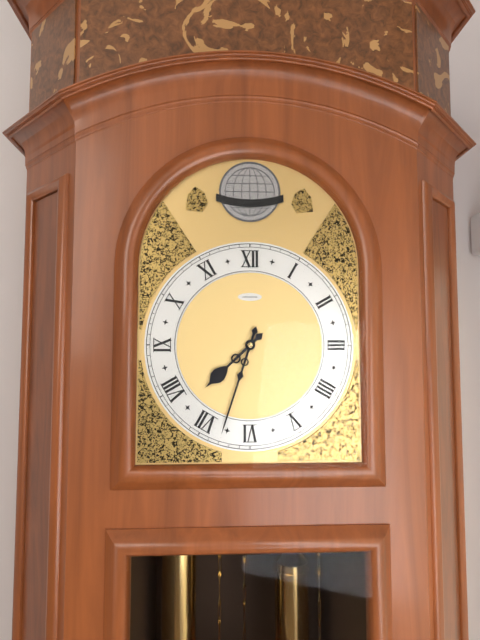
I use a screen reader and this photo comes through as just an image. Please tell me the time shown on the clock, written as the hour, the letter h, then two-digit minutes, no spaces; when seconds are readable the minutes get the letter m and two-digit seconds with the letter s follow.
7h33
